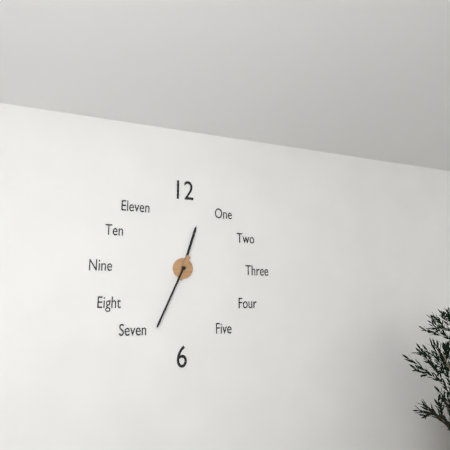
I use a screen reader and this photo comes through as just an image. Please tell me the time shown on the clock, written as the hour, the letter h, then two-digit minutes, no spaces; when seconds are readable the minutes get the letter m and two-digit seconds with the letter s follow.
12h34
